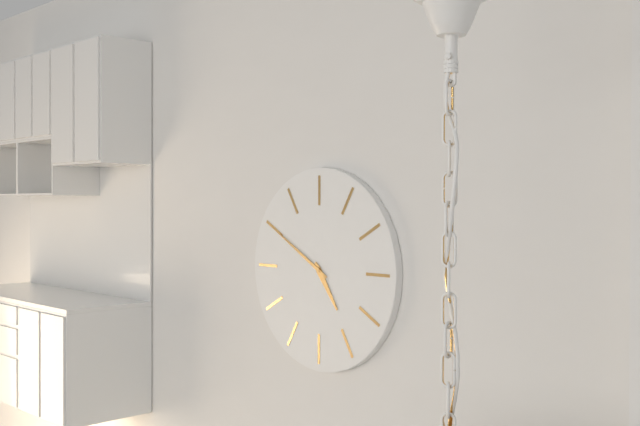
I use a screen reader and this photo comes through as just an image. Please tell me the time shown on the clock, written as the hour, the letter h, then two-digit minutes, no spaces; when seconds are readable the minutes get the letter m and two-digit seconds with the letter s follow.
4h50
